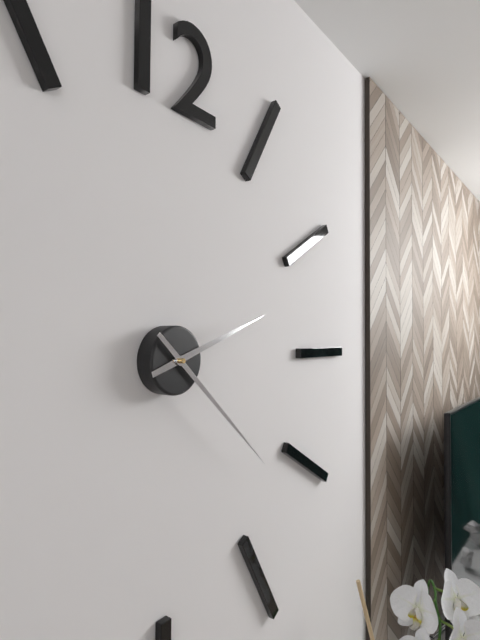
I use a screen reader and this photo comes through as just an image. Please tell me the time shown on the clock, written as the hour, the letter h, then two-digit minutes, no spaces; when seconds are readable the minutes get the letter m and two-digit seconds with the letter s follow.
2h22
